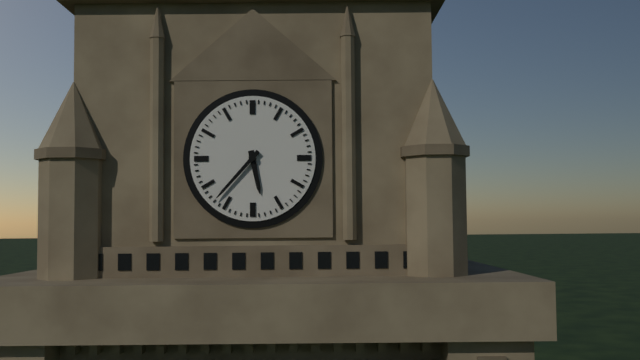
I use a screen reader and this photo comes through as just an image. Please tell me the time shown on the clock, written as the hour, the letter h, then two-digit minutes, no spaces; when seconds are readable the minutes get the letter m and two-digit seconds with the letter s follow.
5h37
